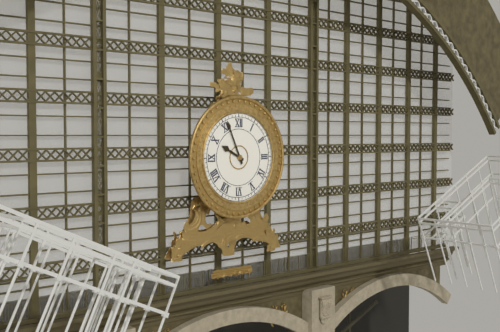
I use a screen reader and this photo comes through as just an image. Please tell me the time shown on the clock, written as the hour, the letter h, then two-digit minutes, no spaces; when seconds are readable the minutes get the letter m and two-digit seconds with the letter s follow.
9h56
